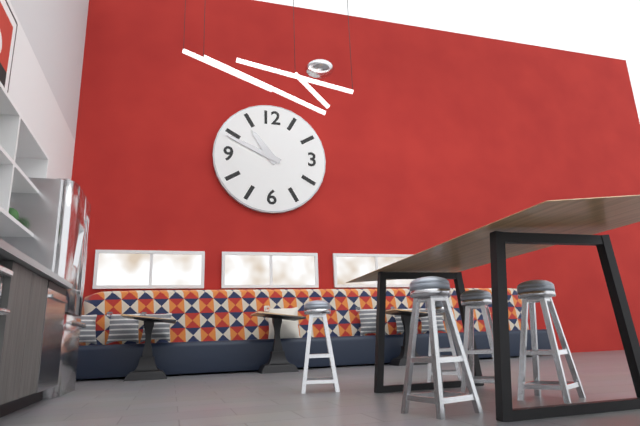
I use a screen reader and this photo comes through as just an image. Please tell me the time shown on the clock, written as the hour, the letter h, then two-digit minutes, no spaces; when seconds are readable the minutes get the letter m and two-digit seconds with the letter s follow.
10h49
